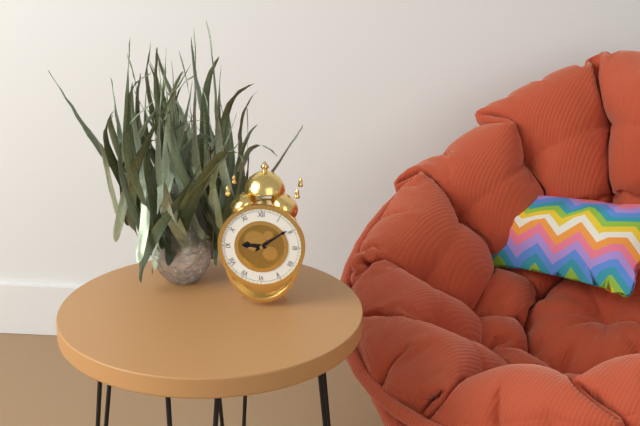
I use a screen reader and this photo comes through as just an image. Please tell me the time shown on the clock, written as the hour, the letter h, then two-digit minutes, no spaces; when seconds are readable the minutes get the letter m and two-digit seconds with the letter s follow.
9h09
